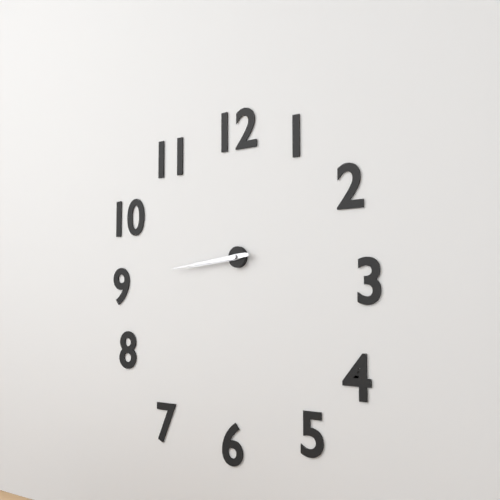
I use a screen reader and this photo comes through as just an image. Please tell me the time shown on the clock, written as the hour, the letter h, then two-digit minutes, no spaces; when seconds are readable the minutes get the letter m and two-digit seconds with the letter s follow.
8h44
